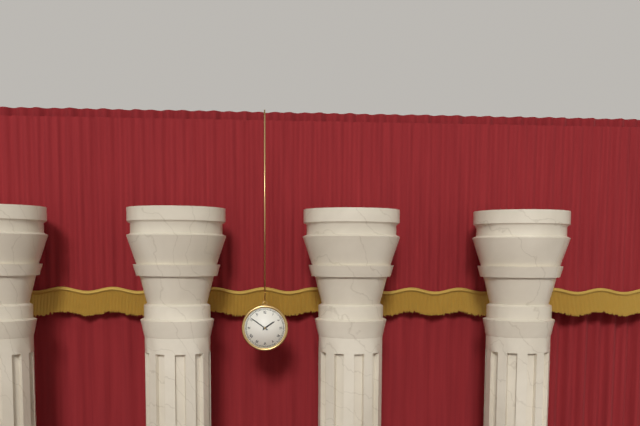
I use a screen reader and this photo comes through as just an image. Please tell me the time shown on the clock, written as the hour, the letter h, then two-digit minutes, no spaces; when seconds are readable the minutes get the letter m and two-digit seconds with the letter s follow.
1h51
